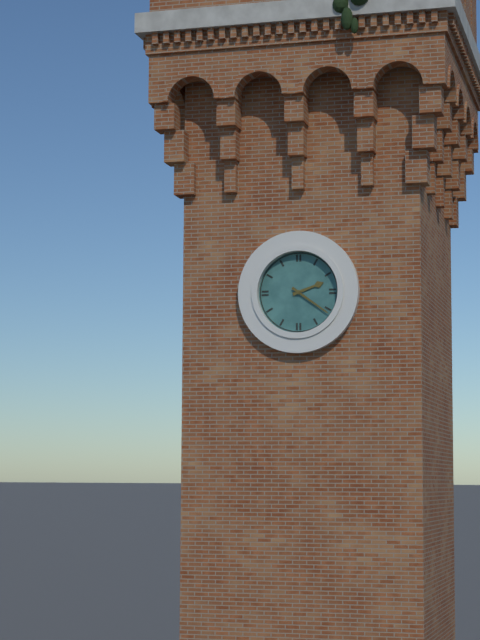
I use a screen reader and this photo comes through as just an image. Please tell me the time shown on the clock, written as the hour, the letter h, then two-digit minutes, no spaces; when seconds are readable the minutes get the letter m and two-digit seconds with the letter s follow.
2h21
